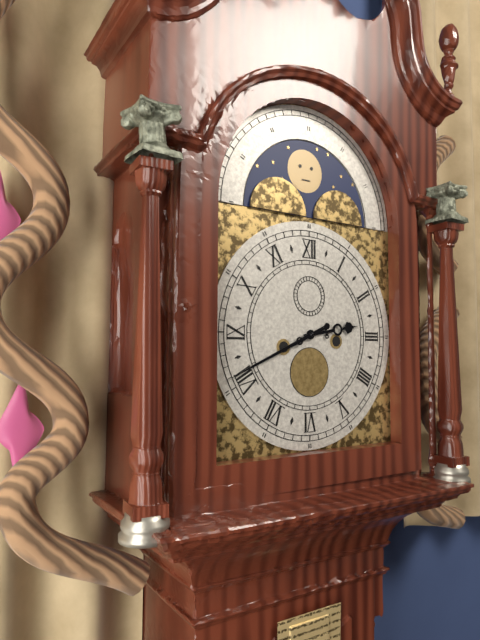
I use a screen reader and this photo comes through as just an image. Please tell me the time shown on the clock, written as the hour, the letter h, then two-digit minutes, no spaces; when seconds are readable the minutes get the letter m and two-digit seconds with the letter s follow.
2h41
